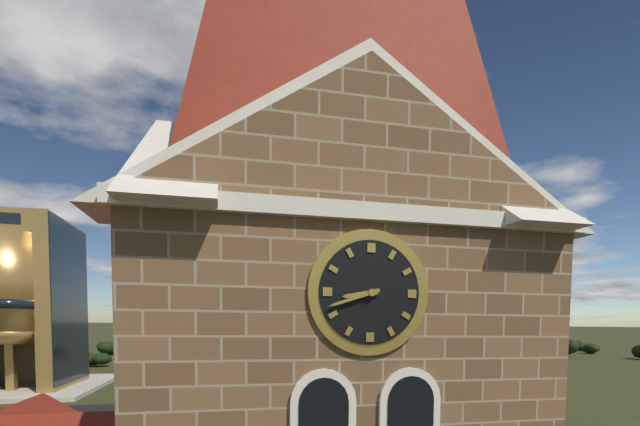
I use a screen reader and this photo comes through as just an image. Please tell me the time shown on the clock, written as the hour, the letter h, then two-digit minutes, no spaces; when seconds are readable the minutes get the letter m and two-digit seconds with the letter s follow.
8h42
